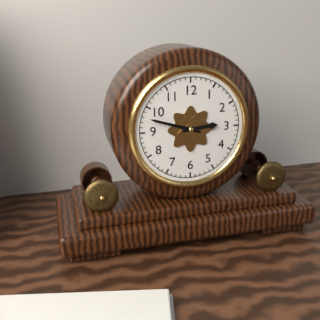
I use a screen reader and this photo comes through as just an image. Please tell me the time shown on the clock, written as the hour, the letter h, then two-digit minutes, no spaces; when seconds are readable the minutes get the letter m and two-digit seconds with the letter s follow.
2h48
